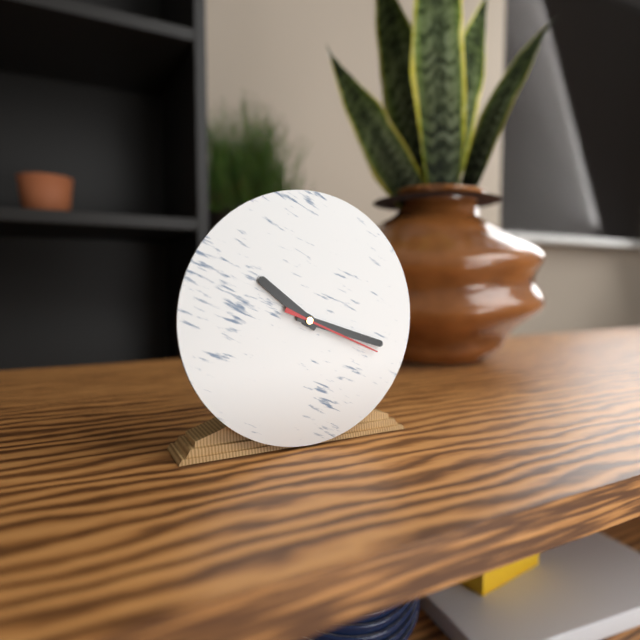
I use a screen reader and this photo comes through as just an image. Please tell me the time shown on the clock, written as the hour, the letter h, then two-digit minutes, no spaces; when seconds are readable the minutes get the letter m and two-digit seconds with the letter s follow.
10h18m19s
